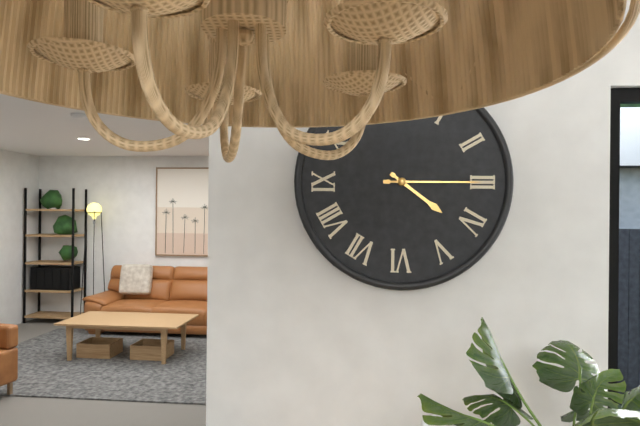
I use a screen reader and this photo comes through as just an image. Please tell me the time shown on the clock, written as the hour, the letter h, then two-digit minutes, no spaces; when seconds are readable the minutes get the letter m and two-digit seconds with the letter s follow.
4h15
